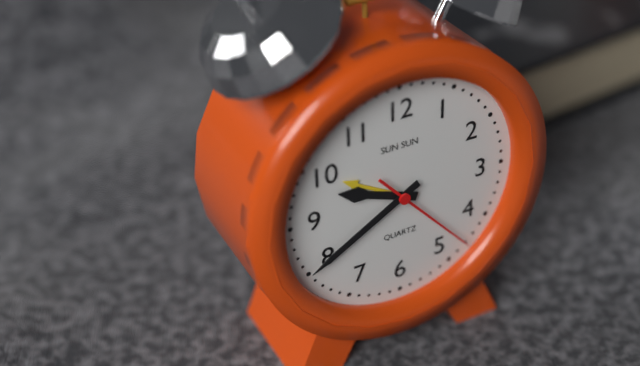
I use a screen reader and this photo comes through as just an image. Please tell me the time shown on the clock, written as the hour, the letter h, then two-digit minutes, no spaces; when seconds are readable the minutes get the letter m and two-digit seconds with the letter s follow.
9h40m23s
